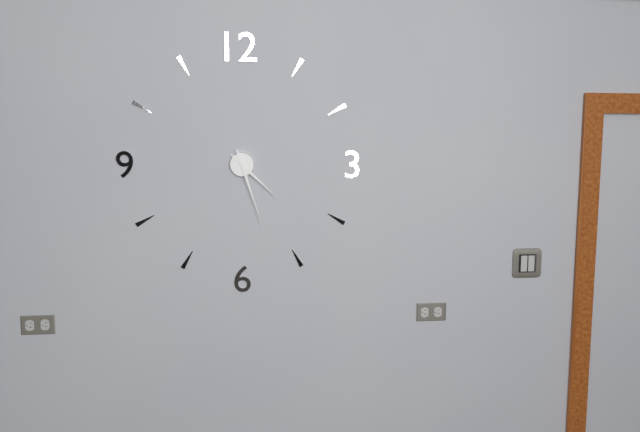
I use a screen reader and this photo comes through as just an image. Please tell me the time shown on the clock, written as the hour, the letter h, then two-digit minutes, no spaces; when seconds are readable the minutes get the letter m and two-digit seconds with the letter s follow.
4h27
